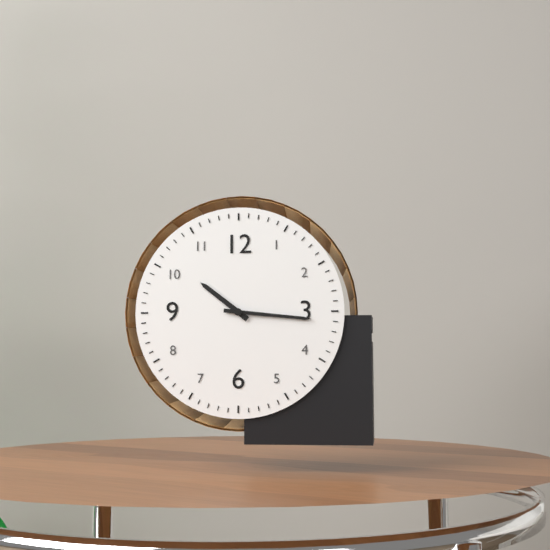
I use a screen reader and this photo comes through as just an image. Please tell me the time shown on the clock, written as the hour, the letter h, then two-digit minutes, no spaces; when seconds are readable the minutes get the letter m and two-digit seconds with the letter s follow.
10h16
